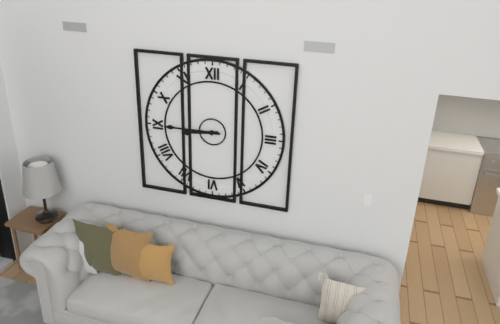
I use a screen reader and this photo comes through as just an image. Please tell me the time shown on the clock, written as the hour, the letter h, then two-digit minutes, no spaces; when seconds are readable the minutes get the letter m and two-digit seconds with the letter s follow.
8h45
